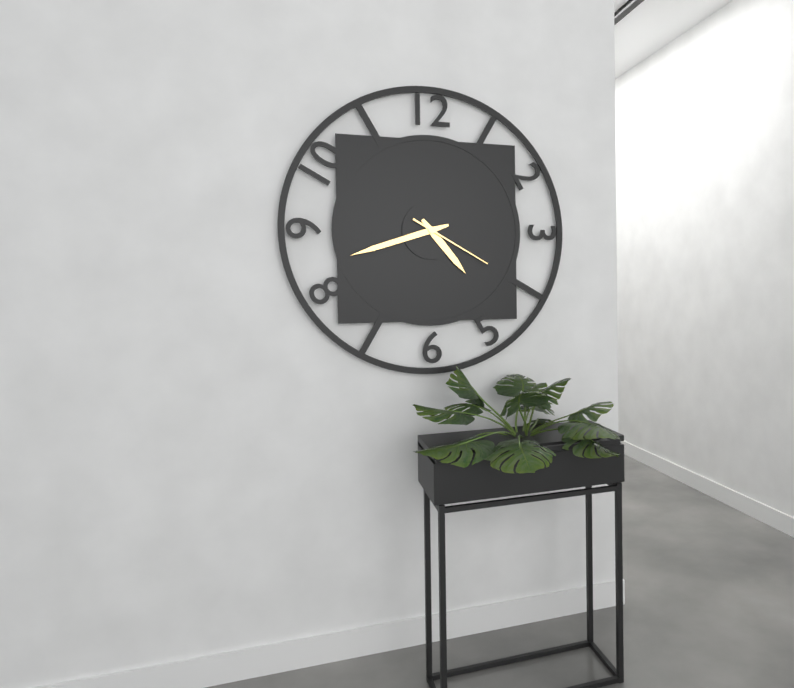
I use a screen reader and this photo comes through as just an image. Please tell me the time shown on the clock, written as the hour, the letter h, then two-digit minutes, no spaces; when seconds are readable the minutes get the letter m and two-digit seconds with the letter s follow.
4h42m20s
